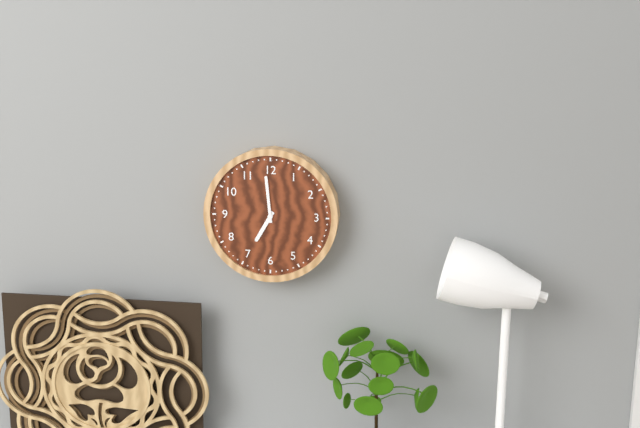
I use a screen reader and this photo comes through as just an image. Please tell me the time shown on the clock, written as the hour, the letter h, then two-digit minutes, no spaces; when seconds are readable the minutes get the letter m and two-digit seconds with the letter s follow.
6h59
